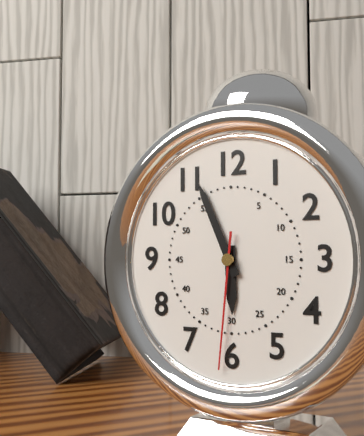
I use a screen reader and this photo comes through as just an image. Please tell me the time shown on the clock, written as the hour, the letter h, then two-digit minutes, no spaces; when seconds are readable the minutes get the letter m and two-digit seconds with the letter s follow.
5h56m31s
